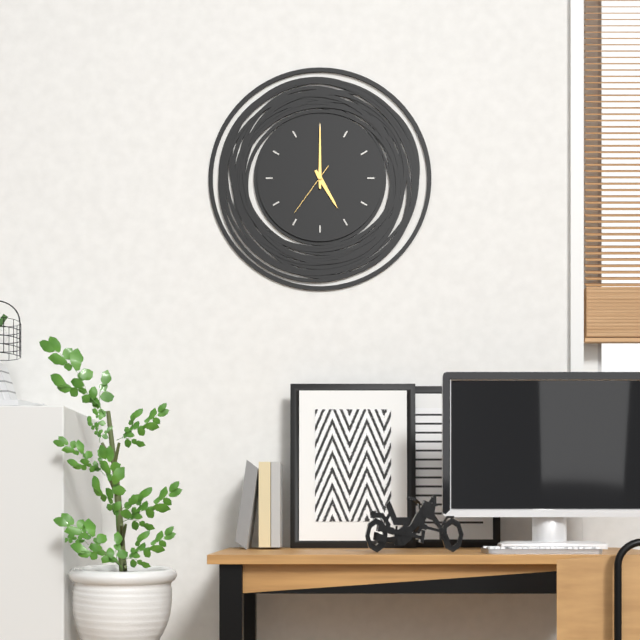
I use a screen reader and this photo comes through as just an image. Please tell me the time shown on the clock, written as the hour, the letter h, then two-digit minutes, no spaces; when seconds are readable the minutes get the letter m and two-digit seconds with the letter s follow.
5h00m36s
